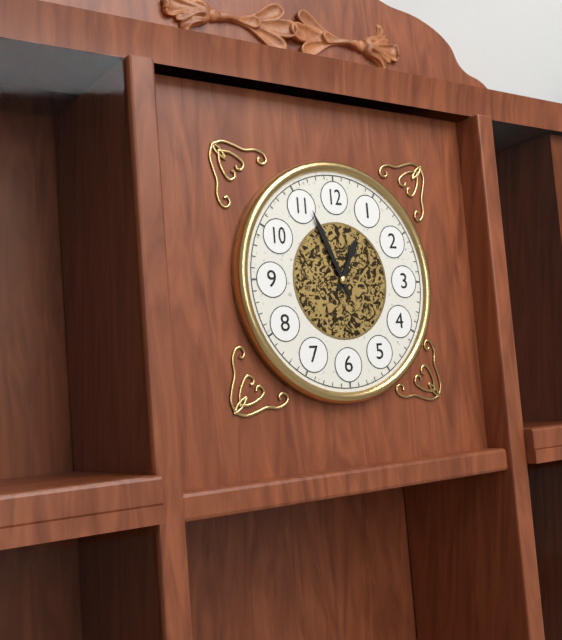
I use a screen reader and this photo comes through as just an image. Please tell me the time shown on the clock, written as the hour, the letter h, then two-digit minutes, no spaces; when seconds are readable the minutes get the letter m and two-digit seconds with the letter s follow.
12h56
